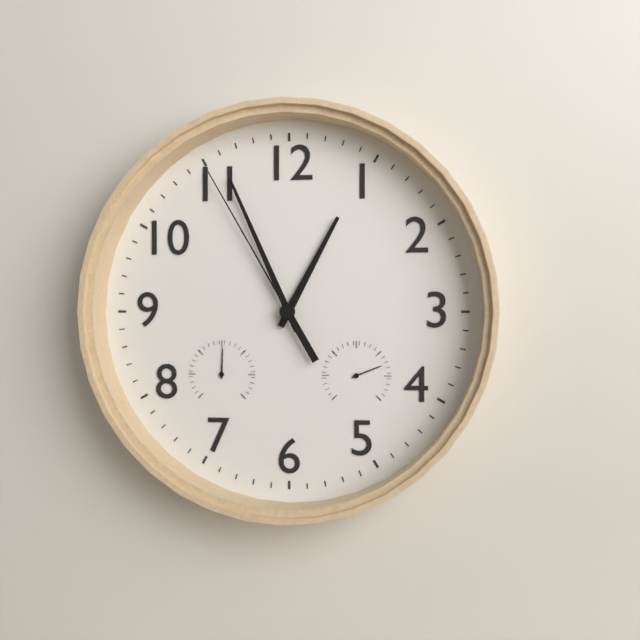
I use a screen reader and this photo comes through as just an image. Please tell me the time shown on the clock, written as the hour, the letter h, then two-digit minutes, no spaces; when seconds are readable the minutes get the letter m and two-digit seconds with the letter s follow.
12h56m55s
